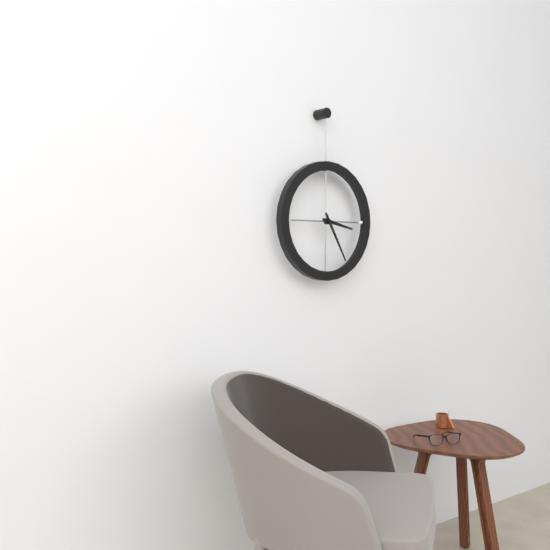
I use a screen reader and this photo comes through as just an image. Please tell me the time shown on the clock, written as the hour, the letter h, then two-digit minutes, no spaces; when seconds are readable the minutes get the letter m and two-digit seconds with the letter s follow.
3h25
